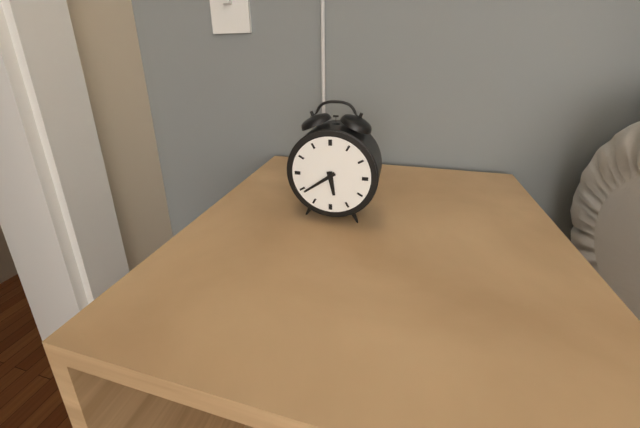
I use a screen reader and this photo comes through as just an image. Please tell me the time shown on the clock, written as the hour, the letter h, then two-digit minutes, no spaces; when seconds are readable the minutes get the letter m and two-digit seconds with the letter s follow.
5h39
